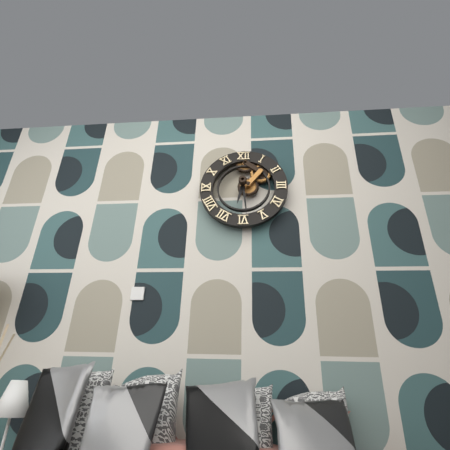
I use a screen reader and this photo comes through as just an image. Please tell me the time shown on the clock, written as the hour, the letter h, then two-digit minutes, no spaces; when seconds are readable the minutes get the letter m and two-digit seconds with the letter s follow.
6h29
